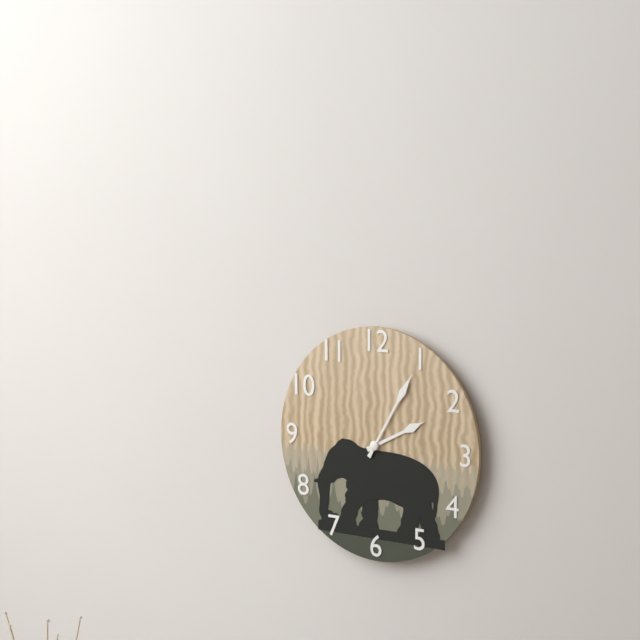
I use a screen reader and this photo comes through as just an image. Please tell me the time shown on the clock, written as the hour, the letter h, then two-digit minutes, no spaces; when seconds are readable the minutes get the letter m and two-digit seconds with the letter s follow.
2h05
